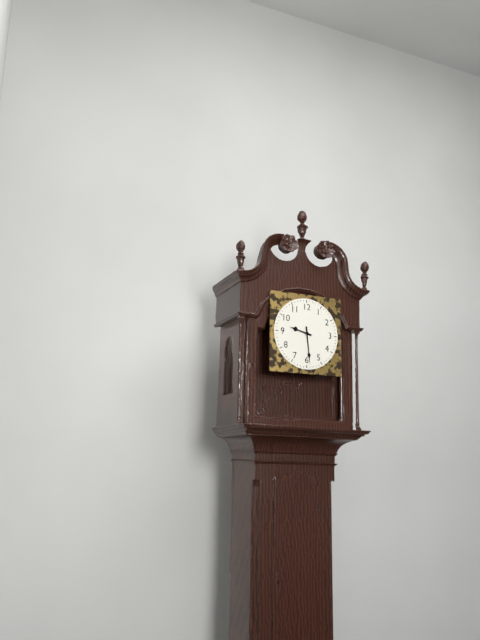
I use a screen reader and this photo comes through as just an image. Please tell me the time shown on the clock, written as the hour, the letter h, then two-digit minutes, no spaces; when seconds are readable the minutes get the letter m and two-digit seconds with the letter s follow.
9h29
